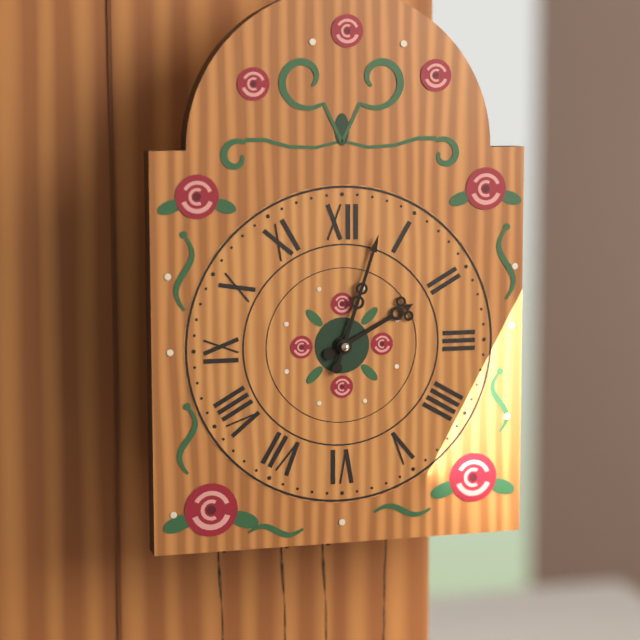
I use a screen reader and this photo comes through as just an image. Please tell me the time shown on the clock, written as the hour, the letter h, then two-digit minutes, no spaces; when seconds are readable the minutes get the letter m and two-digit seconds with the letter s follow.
2h03
